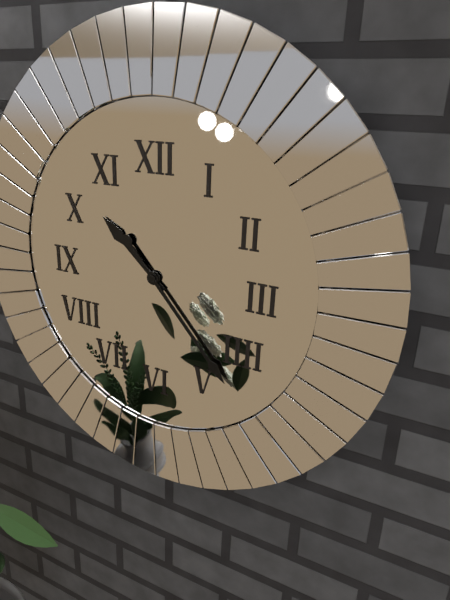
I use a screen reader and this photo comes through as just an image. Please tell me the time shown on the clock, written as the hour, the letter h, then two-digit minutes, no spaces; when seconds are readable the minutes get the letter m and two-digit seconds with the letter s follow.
10h23
